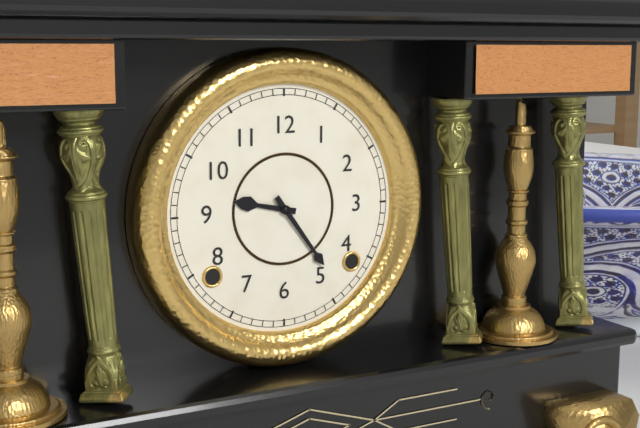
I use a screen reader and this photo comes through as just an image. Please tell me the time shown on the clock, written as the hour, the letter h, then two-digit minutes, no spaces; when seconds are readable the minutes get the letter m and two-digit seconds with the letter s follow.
9h24
